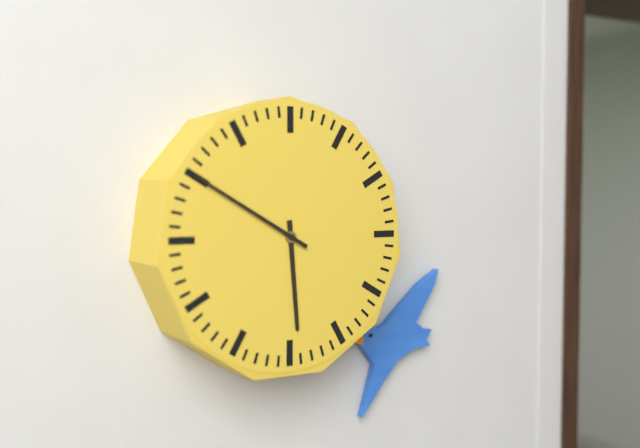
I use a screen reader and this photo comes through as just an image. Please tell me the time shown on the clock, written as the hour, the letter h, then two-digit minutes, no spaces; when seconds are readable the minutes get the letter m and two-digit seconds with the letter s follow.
5h50
